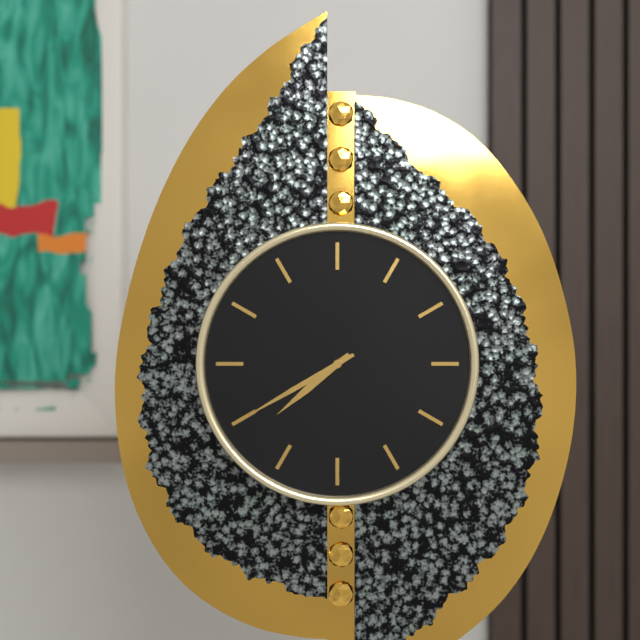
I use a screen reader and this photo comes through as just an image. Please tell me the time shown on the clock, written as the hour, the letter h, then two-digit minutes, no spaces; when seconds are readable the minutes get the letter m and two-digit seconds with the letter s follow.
7h40
